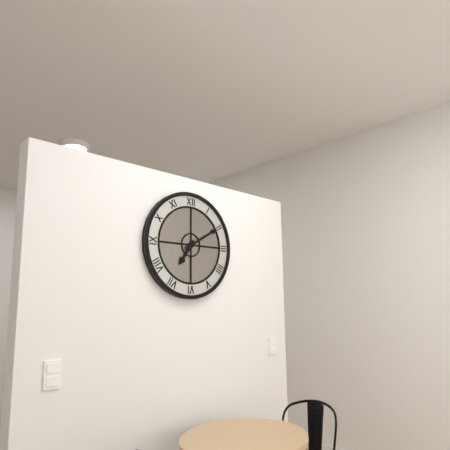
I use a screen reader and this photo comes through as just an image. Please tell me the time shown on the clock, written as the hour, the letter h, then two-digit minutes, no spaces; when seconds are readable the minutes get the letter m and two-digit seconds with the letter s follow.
7h10
